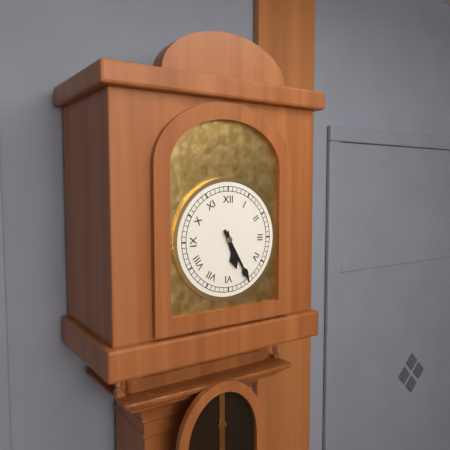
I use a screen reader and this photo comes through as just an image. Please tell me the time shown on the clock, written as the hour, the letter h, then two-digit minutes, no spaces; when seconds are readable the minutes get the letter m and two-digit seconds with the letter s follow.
5h25
